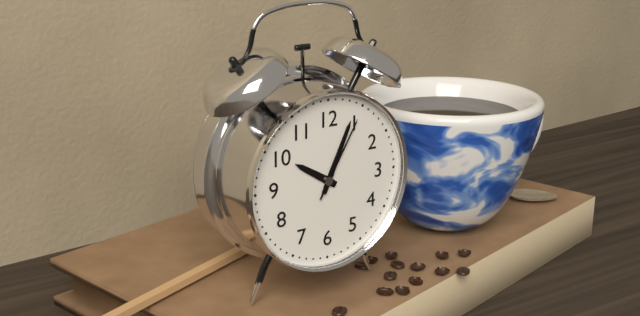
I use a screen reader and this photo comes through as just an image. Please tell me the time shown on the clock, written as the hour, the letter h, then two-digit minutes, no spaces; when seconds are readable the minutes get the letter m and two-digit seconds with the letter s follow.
10h04m05s
